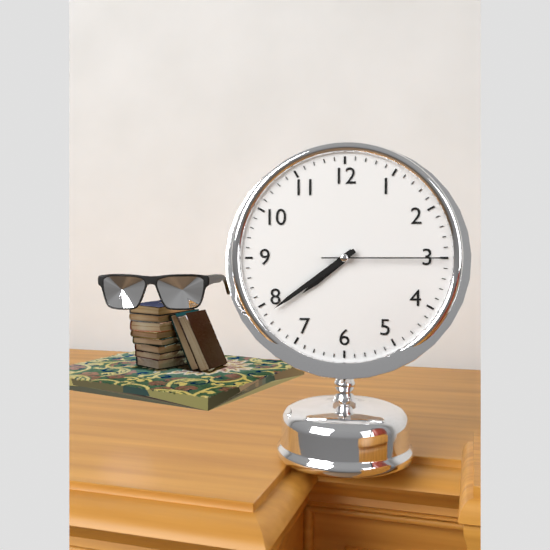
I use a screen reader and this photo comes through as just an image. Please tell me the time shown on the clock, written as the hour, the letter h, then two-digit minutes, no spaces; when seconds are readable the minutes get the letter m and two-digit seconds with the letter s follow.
7h39m15s
